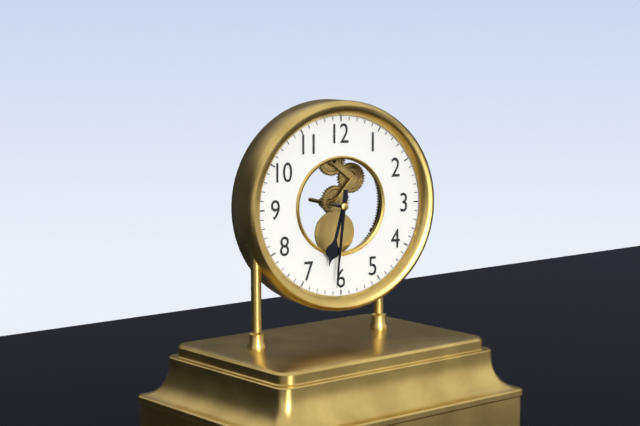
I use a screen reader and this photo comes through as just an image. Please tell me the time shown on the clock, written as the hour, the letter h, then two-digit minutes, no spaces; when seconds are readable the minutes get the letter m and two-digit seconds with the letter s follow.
6h31
